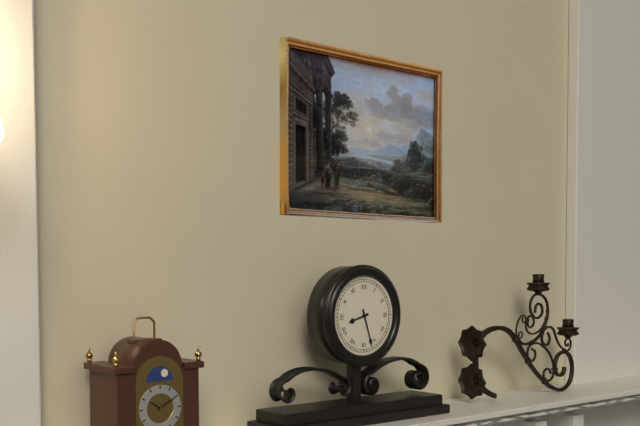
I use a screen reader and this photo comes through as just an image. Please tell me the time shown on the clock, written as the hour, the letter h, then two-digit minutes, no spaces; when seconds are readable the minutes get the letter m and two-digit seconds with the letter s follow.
8h27
